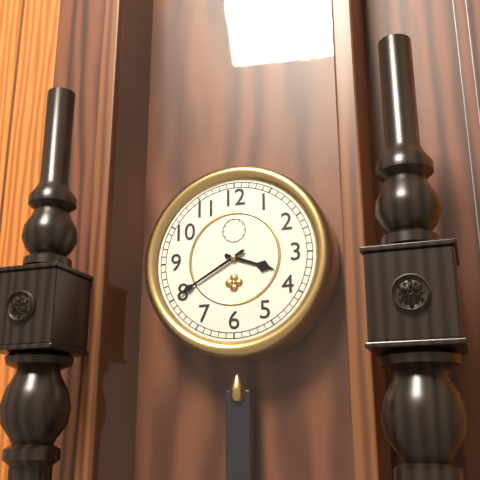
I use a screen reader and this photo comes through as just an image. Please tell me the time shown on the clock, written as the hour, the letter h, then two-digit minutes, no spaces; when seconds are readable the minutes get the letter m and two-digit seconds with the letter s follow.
3h40
